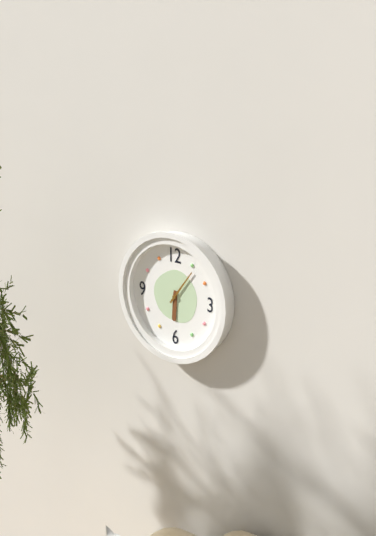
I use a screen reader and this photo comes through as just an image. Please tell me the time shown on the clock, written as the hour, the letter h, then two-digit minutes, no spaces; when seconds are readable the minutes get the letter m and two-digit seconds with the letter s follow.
6h06
